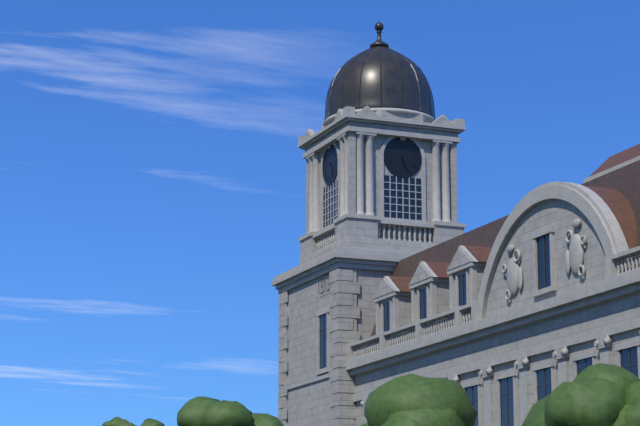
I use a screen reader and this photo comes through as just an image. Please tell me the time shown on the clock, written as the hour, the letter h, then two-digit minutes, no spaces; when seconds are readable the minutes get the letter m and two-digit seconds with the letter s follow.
5h26
